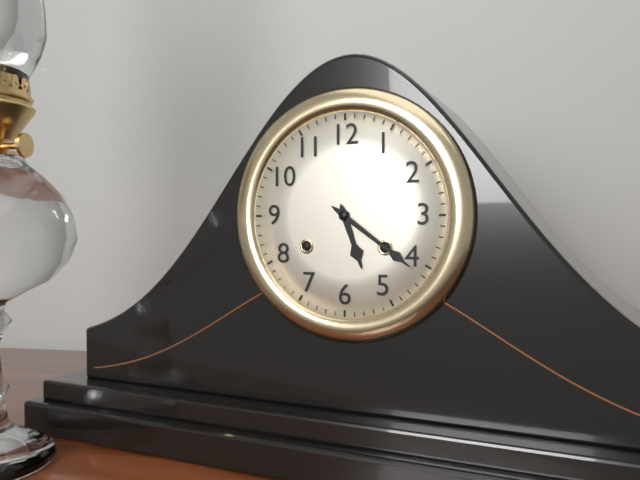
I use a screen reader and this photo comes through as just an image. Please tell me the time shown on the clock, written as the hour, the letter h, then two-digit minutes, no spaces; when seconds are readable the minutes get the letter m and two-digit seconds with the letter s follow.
5h21
